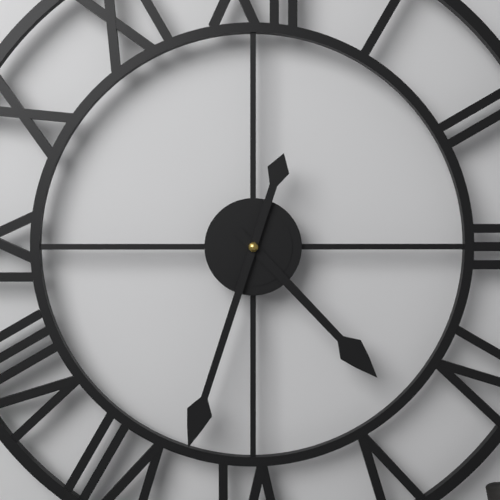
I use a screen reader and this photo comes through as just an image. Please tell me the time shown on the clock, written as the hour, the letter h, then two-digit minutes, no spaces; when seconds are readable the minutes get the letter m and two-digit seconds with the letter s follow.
4h33
